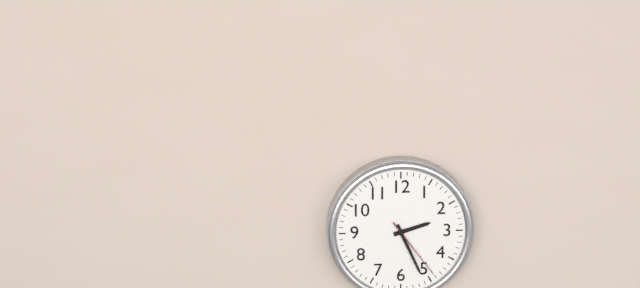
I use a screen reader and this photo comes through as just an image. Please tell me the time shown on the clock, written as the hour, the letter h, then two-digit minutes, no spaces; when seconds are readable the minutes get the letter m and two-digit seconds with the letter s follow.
2h26m24s
